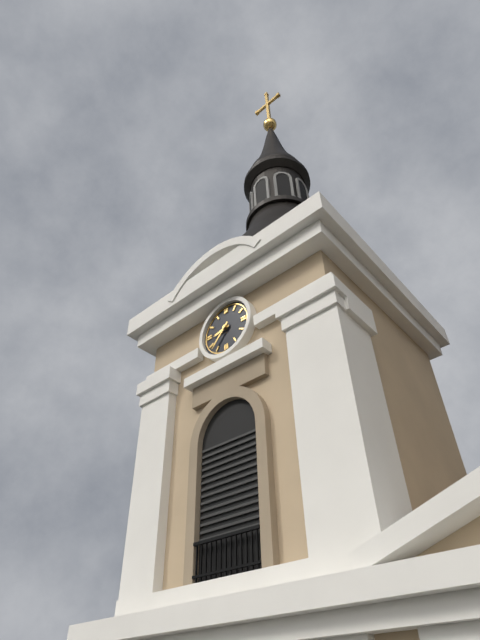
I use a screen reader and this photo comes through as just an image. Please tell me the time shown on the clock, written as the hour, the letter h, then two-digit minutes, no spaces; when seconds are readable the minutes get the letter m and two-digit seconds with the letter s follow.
8h37
